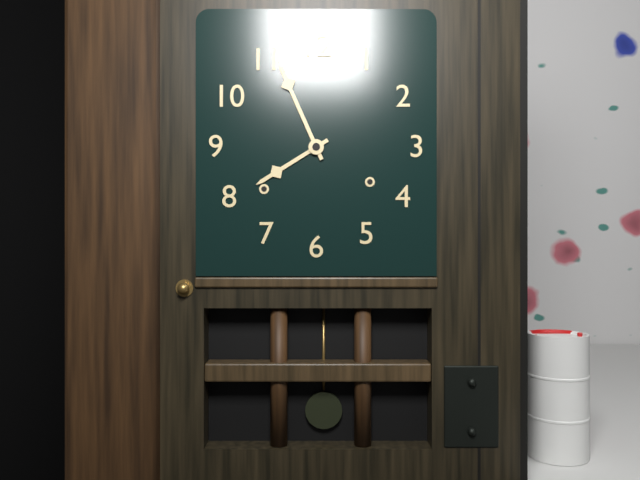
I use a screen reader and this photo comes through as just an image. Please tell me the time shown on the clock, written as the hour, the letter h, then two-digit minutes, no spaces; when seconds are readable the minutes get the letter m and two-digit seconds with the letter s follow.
7h56
